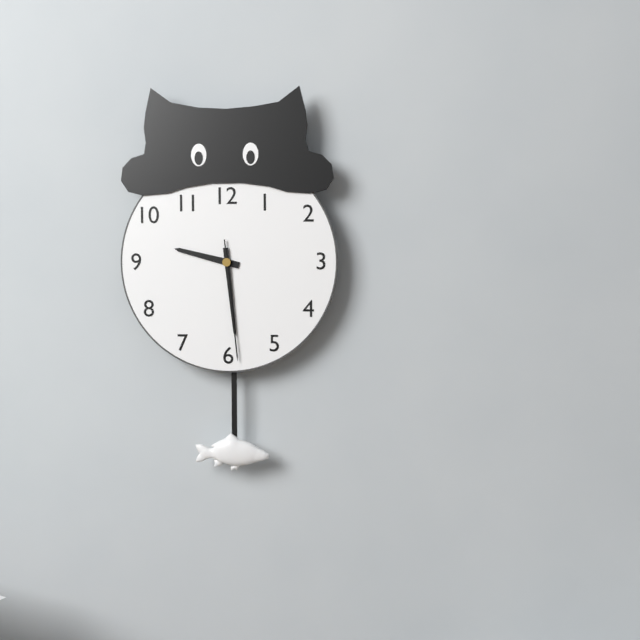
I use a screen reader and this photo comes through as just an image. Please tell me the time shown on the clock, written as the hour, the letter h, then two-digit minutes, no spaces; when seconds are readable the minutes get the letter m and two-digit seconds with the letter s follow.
9h29m29s
